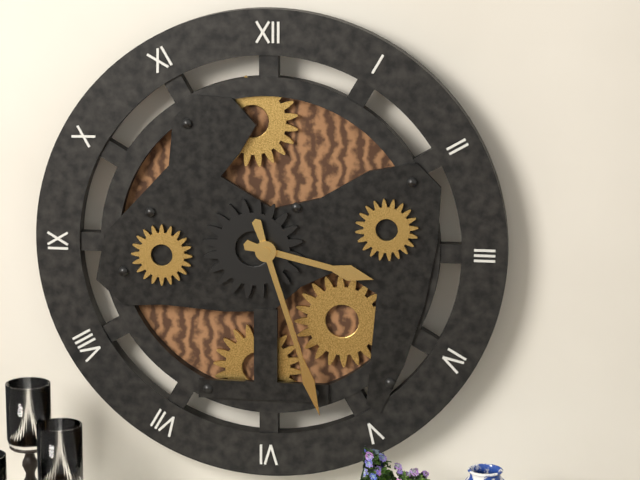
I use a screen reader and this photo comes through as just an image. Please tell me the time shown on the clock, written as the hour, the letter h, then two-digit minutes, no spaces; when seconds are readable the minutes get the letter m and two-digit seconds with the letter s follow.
3h27
